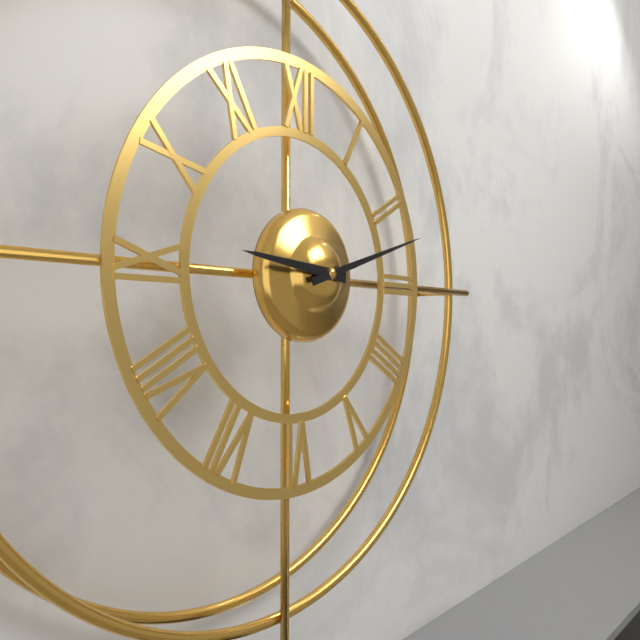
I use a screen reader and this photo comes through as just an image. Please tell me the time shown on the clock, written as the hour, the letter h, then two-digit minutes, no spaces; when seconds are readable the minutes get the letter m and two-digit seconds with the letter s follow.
9h12
